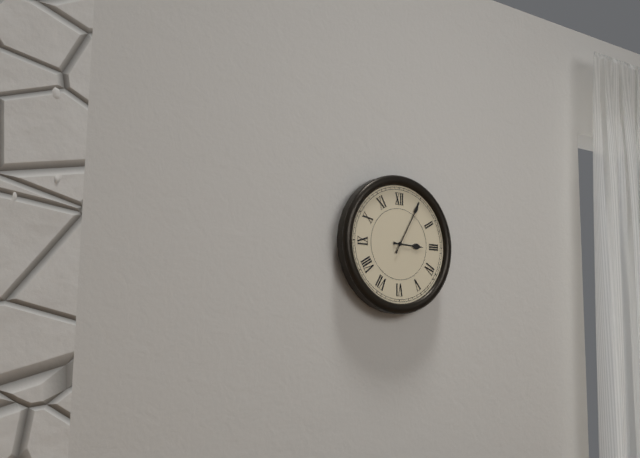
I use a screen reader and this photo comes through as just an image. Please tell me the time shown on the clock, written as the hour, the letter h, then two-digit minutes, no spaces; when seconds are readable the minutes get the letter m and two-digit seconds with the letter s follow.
3h05
